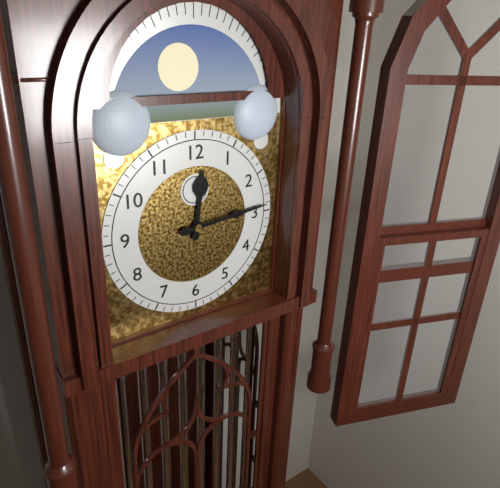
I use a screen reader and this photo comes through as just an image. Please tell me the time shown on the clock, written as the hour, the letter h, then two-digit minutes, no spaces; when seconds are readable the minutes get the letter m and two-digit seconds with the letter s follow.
12h14
